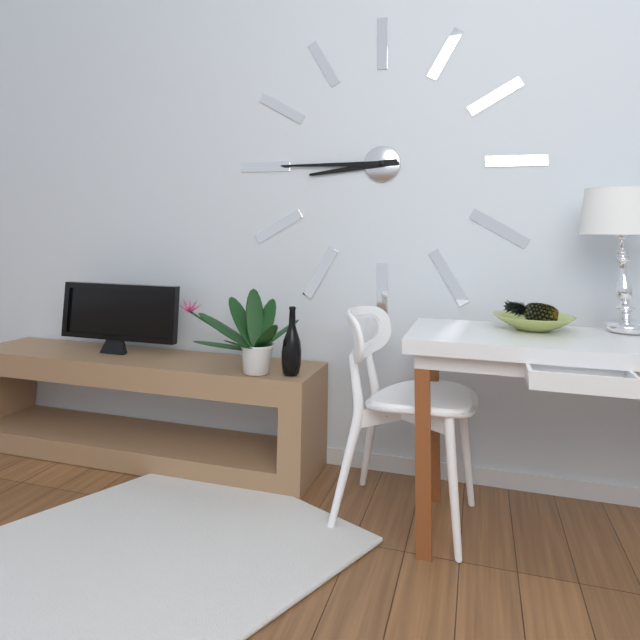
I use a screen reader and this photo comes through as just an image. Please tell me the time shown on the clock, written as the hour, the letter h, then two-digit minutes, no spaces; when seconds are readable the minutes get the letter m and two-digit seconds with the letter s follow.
8h45
